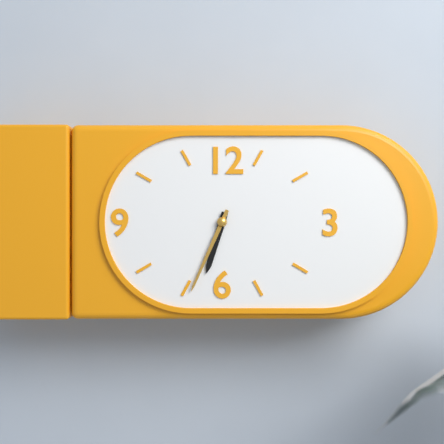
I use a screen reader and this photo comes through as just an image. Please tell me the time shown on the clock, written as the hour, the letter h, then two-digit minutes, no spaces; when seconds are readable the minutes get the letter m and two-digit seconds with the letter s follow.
6h34
